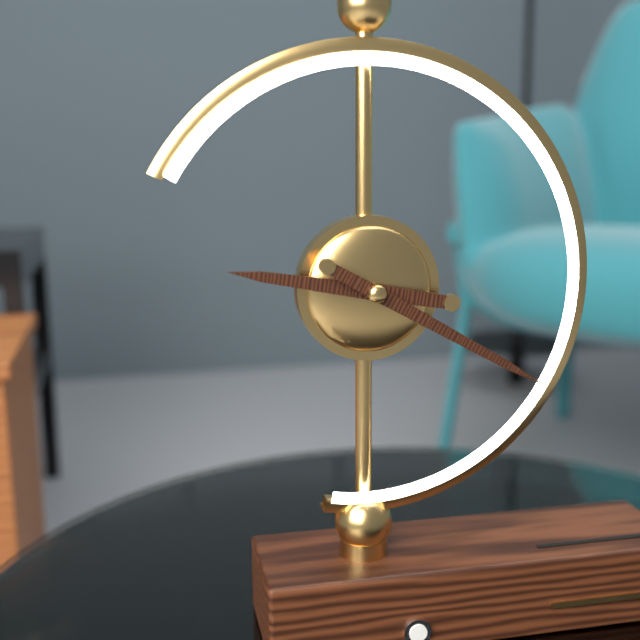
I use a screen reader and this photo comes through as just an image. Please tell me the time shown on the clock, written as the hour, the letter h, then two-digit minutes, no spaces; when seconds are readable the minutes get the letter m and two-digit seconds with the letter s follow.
9h20
